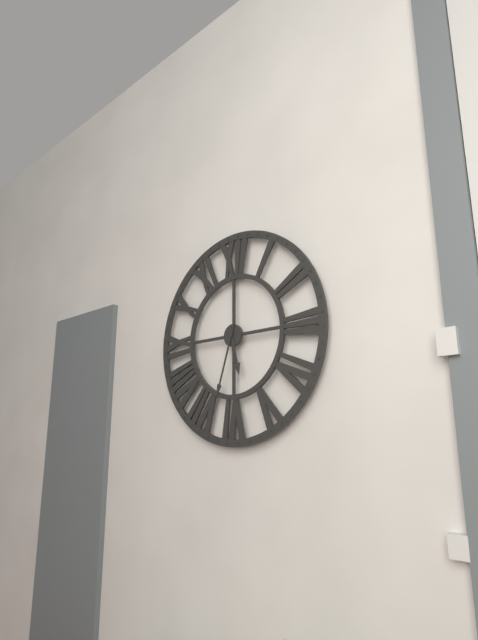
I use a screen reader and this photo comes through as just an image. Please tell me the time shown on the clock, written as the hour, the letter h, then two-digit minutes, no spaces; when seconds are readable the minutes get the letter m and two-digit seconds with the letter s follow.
5h33
